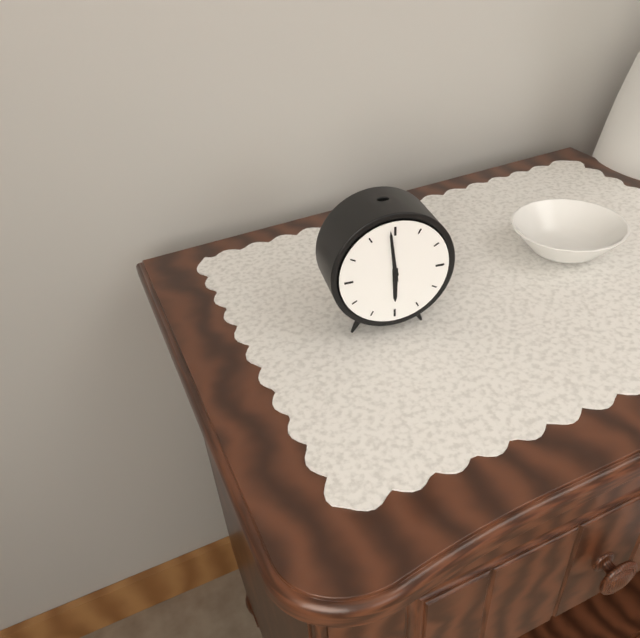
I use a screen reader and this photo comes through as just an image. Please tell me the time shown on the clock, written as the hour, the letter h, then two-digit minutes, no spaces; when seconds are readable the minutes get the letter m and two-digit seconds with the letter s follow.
5h59
